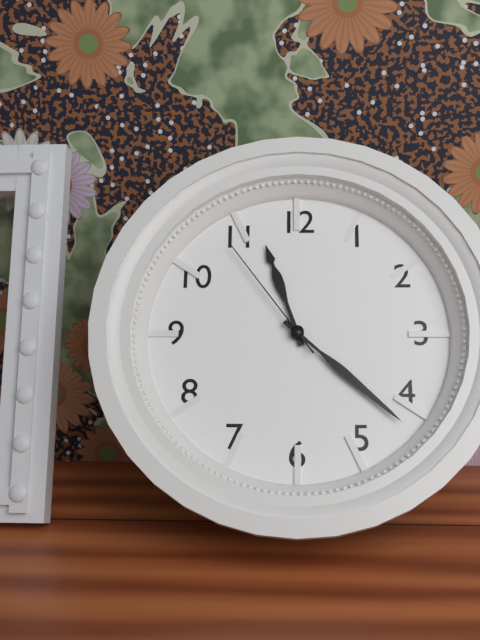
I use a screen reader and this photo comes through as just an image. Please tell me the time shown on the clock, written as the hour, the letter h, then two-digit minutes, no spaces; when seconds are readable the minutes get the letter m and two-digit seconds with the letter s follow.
11h22m54s
